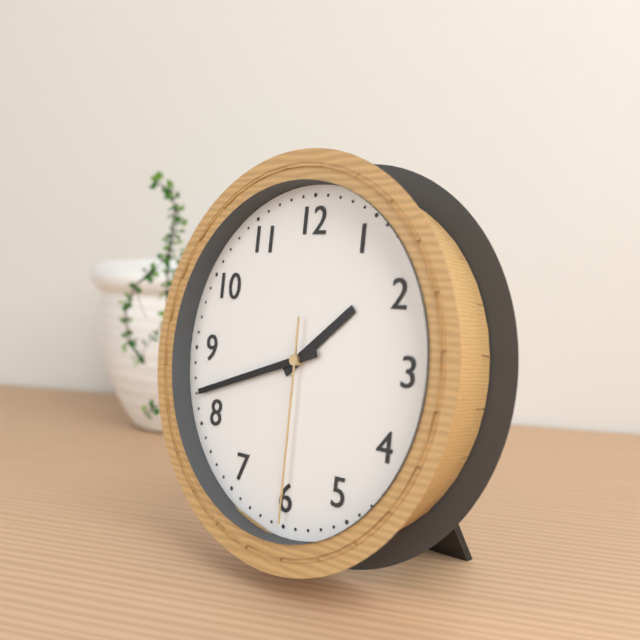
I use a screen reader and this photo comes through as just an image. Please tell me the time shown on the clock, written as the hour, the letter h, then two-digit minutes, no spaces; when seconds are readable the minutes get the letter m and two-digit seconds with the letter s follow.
1h42m30s
